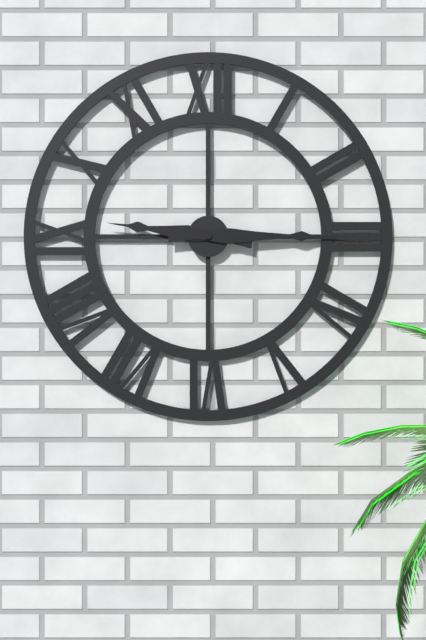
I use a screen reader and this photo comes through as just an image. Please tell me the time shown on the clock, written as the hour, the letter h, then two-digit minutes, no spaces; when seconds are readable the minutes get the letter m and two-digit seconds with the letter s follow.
9h15
